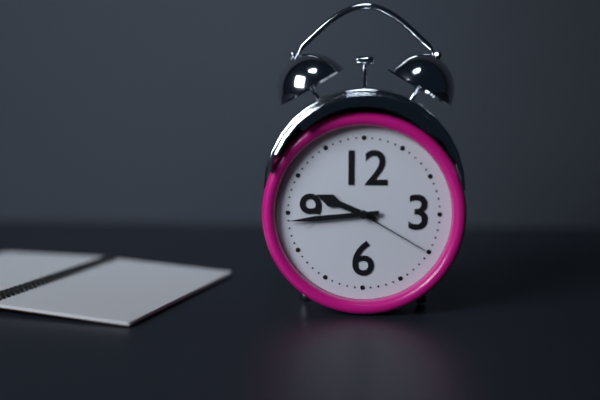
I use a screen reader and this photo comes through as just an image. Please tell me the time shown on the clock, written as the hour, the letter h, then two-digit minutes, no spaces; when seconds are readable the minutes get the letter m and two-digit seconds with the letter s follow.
9h44m20s
